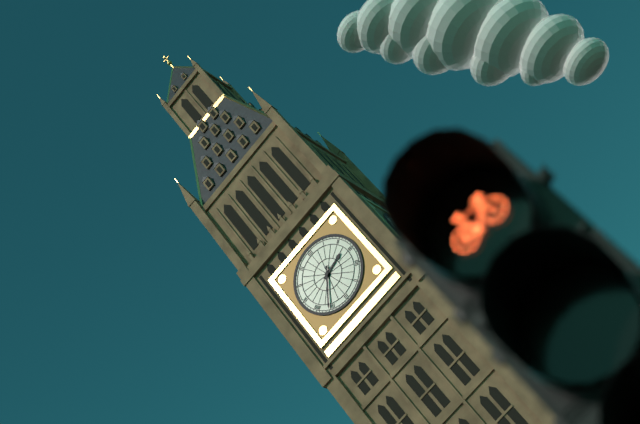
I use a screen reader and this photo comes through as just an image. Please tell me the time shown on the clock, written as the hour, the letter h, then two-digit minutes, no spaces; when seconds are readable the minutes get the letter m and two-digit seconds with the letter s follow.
2h36
